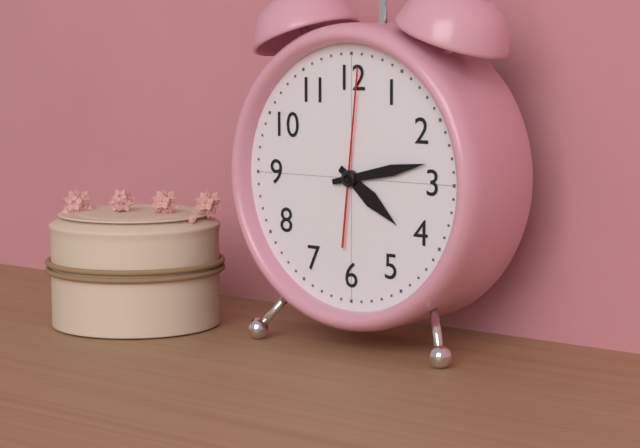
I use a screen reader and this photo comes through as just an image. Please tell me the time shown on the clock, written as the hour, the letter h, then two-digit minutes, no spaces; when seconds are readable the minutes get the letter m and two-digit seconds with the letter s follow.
4h13m01s
